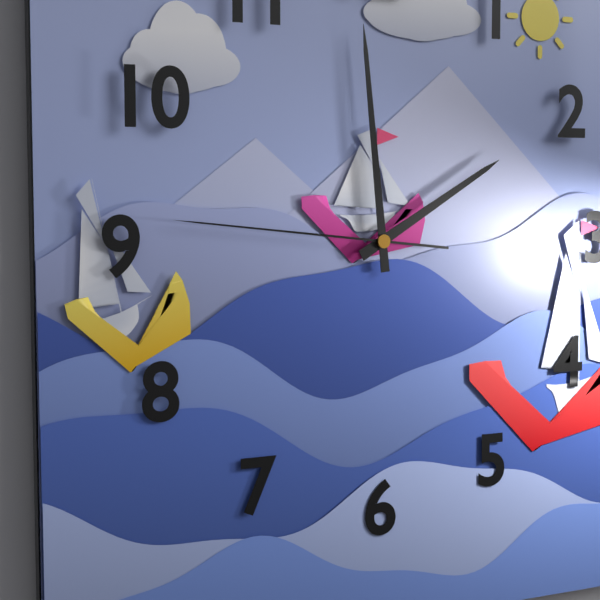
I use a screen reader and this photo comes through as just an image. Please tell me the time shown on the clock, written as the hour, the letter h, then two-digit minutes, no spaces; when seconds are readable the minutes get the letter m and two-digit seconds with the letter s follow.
1h59m46s
